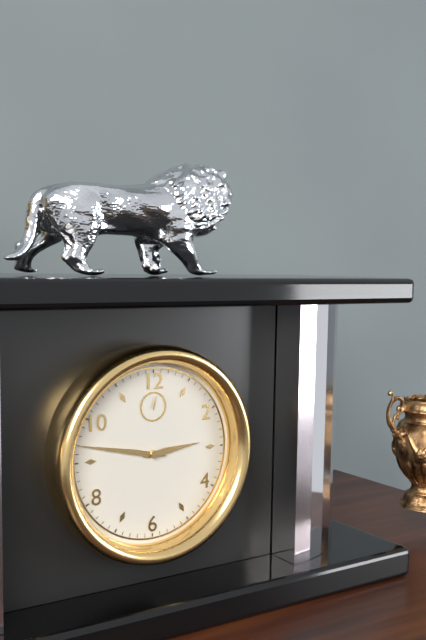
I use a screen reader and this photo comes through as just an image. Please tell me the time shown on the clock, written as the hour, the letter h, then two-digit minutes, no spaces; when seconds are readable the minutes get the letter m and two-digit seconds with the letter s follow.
2h47
